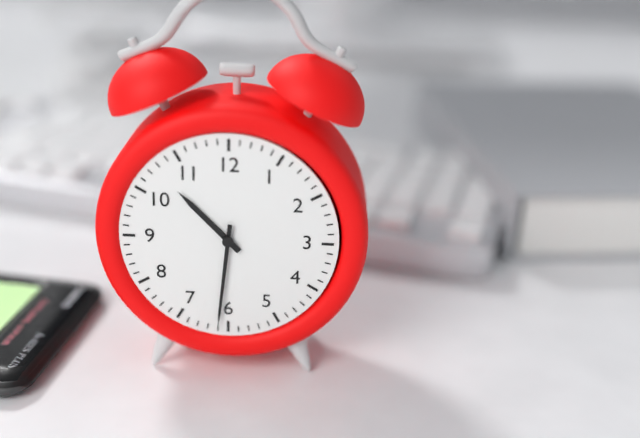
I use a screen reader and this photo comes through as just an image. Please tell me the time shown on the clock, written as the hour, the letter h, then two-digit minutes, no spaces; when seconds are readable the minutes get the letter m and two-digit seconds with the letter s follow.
10h31
